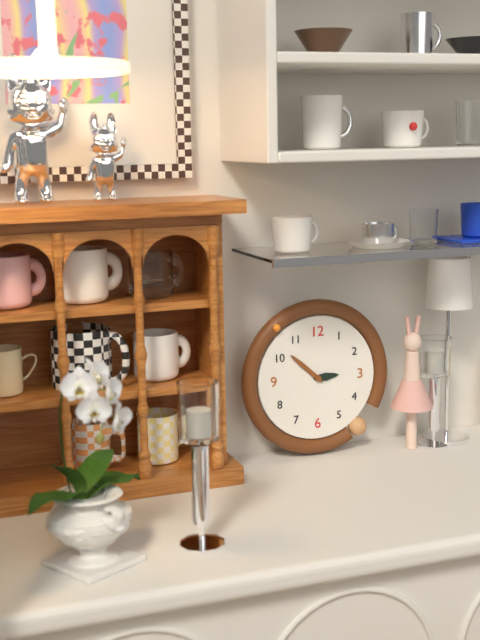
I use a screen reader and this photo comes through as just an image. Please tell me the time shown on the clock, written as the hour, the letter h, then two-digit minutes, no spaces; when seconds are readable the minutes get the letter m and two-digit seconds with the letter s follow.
2h52
